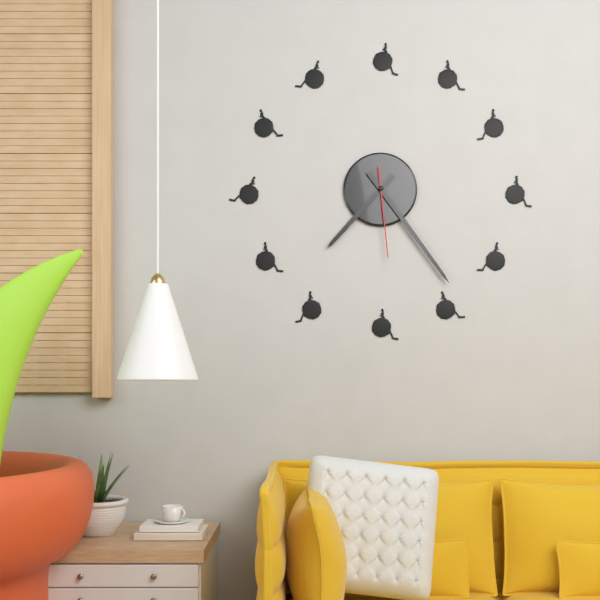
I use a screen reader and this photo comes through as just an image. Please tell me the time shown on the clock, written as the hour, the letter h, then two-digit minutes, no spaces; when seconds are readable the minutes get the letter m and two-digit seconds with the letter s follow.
7h24m29s
